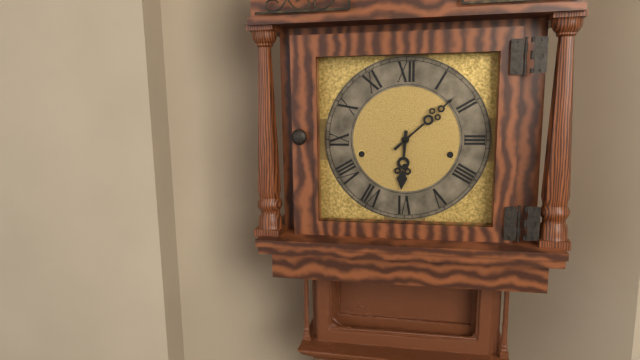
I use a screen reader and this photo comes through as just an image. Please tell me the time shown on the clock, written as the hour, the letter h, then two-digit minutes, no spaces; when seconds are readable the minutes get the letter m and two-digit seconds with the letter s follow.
6h08
